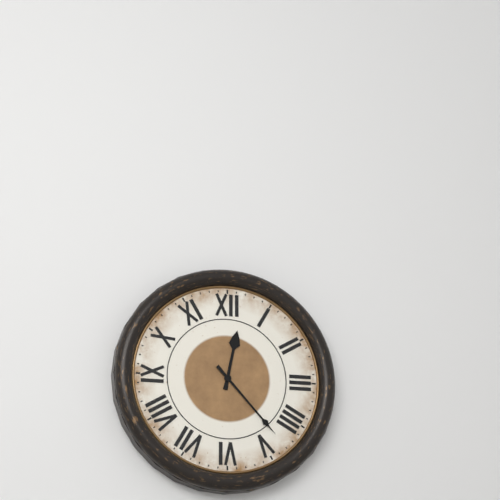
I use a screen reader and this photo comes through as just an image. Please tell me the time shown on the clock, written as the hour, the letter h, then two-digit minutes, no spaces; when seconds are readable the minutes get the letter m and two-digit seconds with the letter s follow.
12h23
